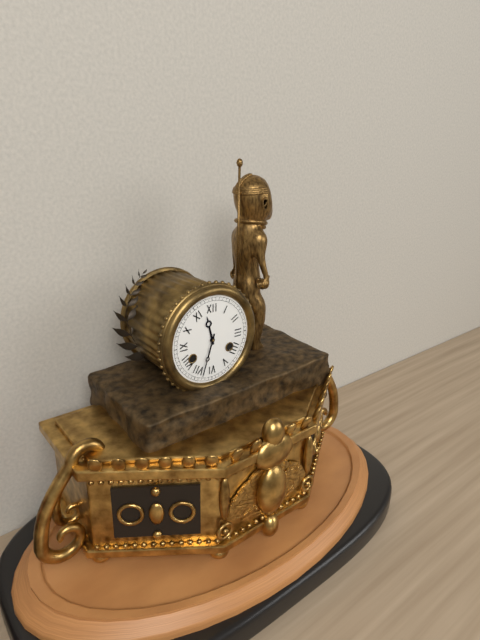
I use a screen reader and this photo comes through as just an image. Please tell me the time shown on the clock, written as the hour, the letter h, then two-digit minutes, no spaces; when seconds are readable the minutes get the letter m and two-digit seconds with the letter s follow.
11h33
